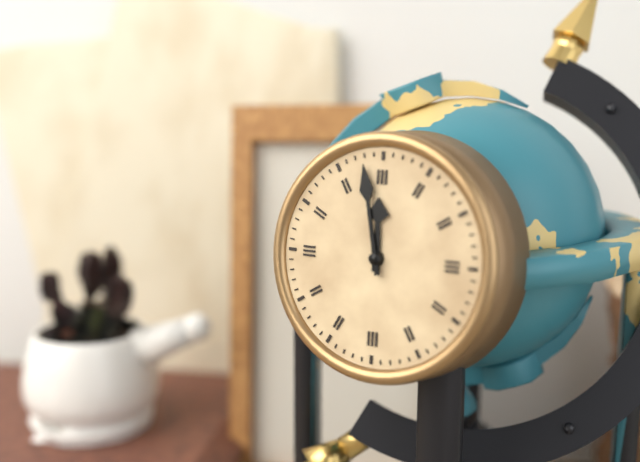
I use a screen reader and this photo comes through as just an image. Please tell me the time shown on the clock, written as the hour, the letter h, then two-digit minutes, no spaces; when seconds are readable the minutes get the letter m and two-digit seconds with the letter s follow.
11h58
